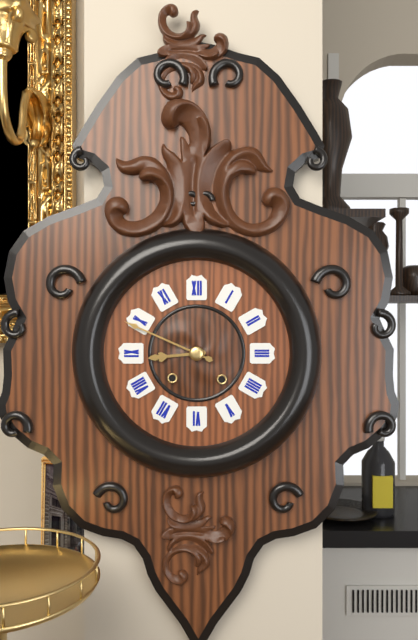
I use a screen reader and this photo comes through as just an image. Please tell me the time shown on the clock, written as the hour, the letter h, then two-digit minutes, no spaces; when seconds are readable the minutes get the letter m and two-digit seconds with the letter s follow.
8h49
